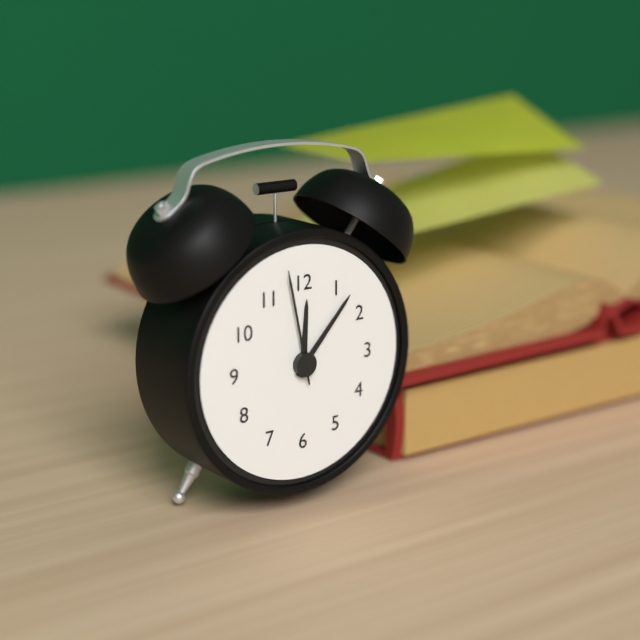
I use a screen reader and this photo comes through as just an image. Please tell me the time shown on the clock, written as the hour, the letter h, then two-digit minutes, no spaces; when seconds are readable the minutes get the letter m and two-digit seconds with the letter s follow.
12h07m58s
